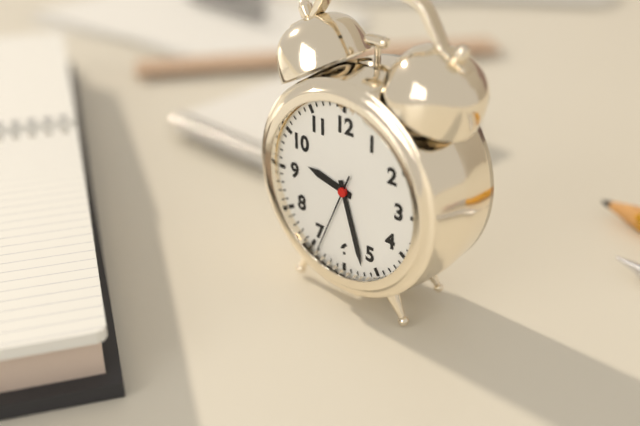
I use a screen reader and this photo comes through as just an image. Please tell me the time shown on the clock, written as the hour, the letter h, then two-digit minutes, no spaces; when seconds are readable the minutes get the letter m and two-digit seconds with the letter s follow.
9h27m34s
